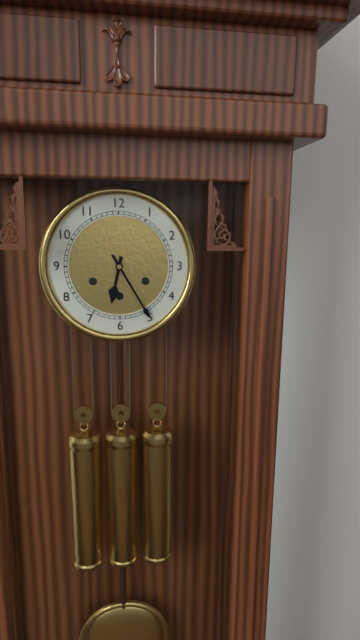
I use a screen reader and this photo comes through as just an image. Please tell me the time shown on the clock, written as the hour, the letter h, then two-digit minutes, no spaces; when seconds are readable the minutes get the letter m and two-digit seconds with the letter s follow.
6h25
